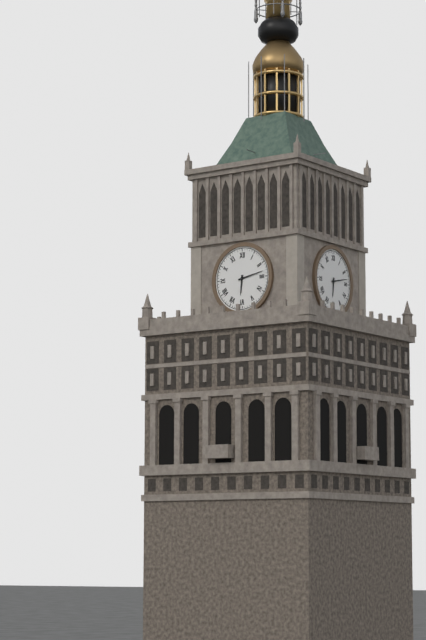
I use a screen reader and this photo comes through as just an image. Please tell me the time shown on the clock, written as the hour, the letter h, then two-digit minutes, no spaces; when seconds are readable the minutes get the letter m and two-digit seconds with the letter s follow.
6h13
